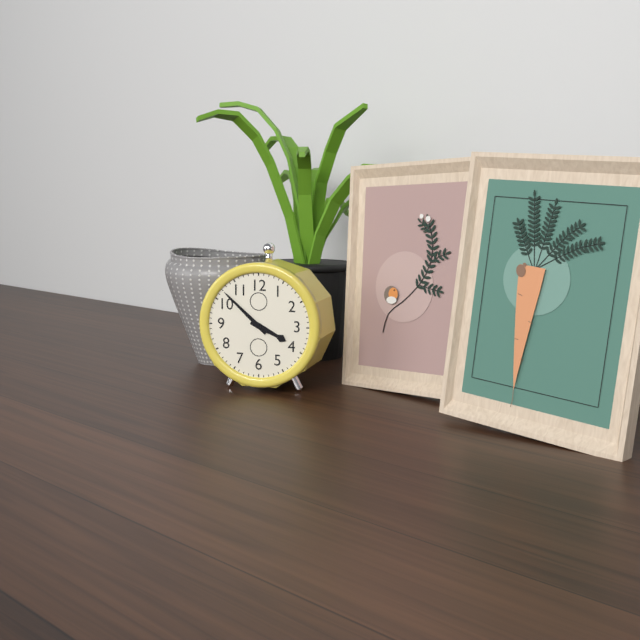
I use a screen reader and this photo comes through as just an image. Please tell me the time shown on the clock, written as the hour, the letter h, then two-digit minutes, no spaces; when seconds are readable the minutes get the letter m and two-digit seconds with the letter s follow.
3h52
